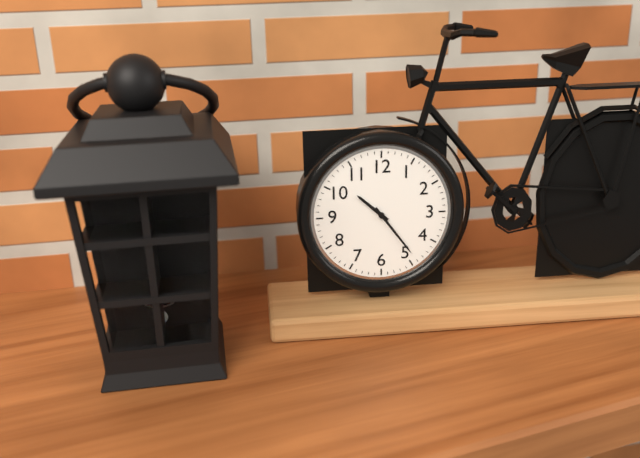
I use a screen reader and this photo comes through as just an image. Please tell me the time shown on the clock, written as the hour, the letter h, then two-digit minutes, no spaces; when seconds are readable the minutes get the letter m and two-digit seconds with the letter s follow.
10h24
